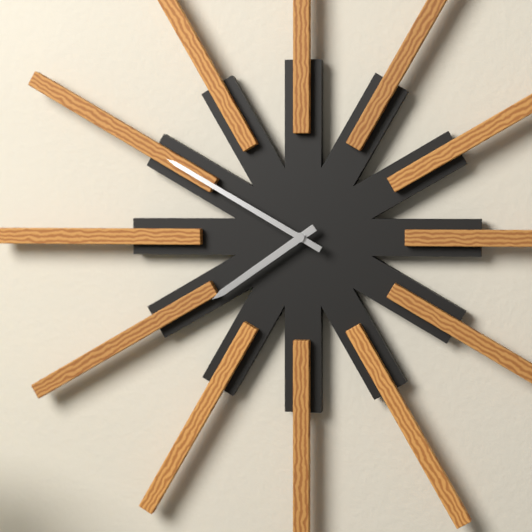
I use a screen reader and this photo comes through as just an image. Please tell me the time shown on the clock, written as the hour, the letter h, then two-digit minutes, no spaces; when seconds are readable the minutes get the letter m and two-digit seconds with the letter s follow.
7h50
